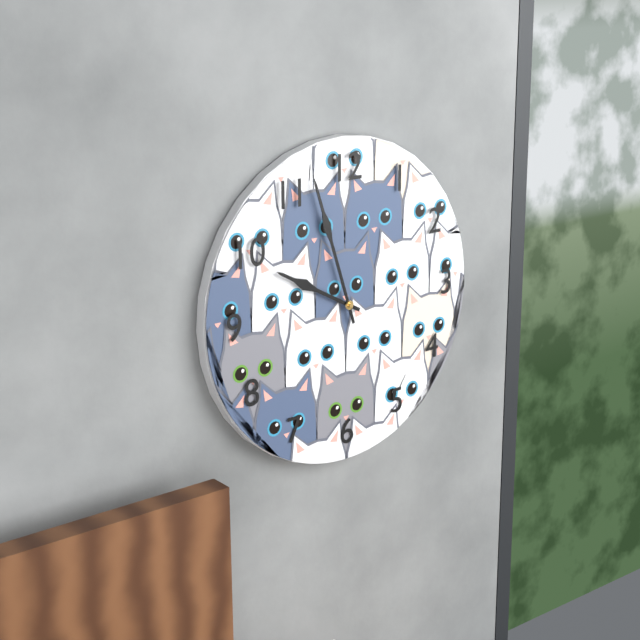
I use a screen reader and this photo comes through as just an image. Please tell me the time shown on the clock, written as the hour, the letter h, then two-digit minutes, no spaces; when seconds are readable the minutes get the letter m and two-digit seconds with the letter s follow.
9h57
